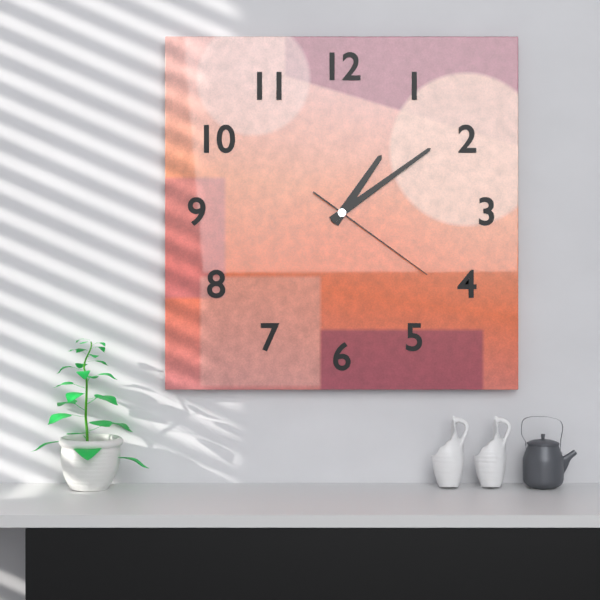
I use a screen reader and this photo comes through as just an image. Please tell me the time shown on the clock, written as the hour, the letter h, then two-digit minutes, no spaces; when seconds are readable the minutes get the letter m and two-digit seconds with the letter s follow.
1h09m21s
